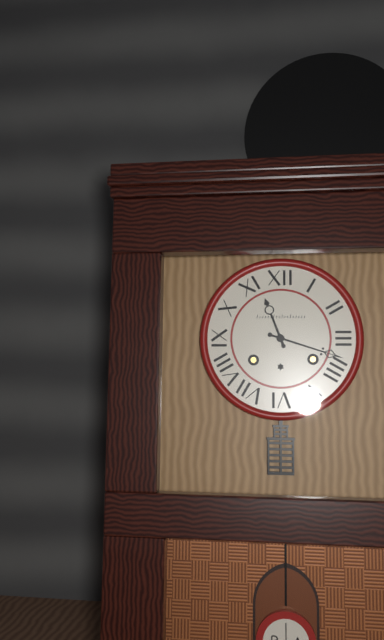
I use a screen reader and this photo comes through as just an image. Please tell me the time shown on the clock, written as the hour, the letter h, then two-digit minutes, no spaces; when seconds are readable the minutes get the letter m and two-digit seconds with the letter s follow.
11h18
